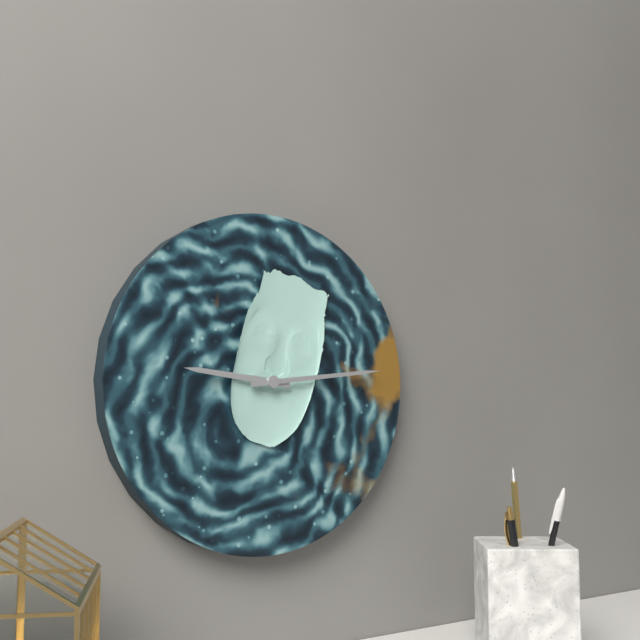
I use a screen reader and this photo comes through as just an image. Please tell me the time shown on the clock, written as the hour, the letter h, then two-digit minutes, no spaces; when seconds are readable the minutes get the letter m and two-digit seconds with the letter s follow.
9h14
